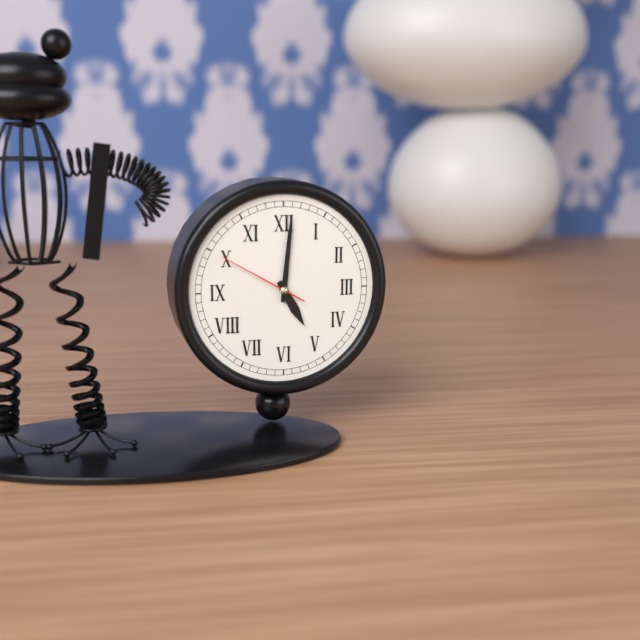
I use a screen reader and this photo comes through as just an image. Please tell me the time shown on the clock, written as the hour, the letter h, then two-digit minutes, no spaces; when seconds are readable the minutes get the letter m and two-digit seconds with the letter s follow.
5h01m50s
